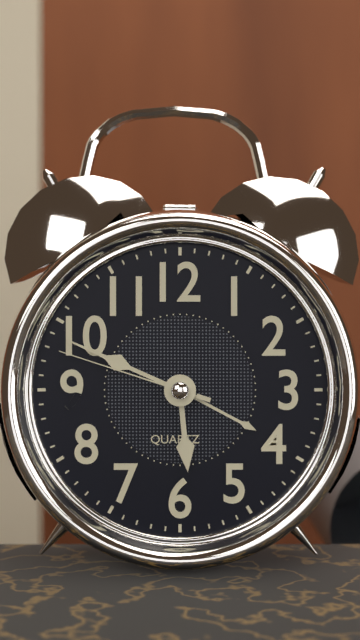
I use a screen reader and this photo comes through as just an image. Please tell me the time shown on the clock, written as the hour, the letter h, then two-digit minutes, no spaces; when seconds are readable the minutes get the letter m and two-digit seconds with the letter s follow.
5h49m48s
